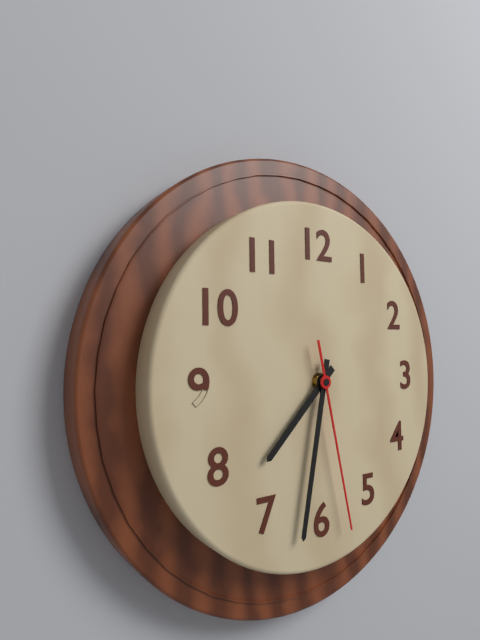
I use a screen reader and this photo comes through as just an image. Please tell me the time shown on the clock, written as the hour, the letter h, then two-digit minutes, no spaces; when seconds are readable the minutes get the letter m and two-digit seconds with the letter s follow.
7h32m28s
